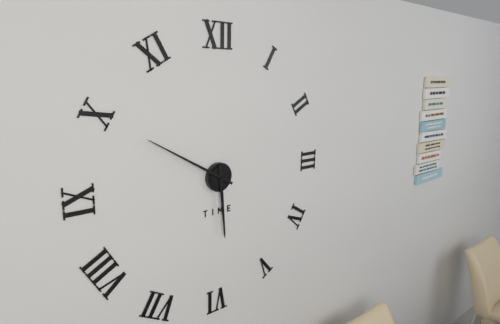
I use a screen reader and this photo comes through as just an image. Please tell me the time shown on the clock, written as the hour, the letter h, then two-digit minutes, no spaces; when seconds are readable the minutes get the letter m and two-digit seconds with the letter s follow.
5h50
